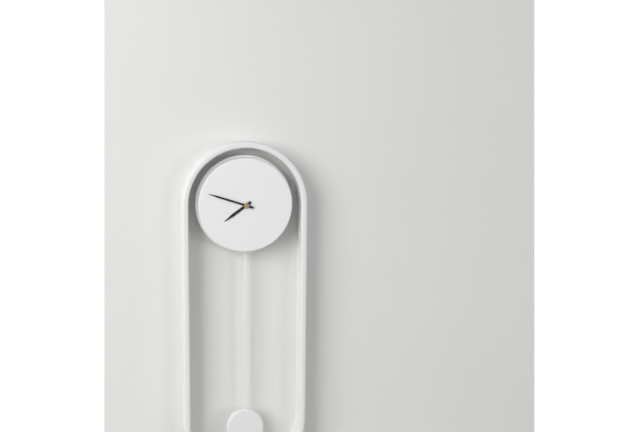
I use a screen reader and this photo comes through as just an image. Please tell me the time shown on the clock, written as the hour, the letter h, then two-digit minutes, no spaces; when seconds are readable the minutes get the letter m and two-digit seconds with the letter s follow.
7h48
